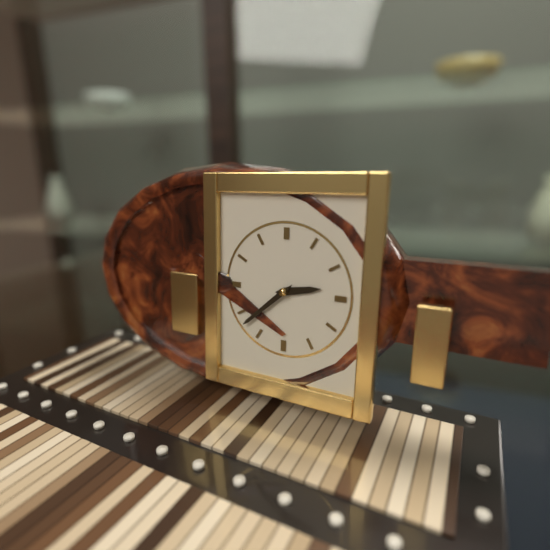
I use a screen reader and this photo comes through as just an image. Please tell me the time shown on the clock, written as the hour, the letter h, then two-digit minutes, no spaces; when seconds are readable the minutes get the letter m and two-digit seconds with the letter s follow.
2h38
